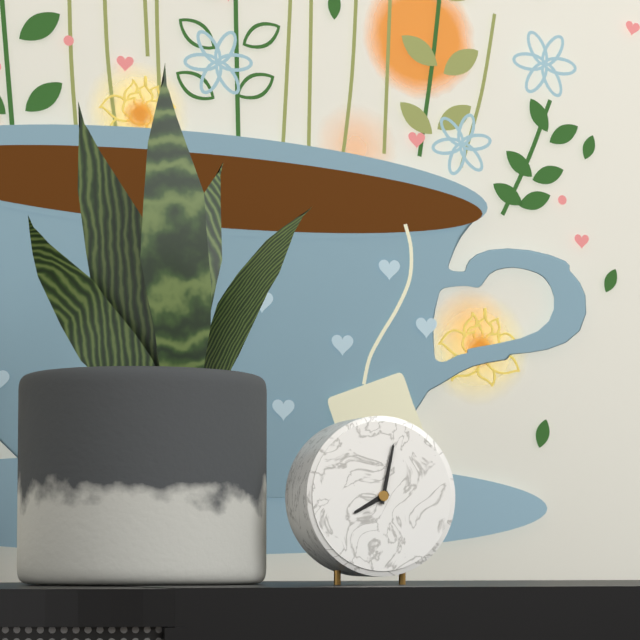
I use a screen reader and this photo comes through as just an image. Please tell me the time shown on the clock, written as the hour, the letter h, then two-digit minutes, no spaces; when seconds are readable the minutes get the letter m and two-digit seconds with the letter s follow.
8h02
